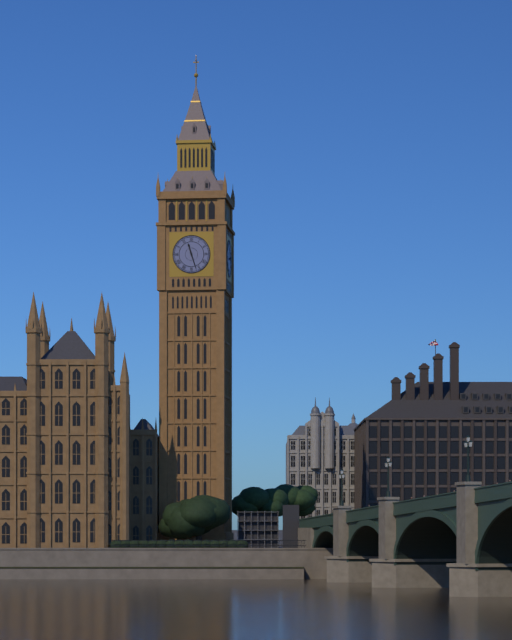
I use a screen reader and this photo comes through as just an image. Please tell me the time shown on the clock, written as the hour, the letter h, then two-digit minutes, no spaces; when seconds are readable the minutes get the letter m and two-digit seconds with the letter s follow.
11h27
